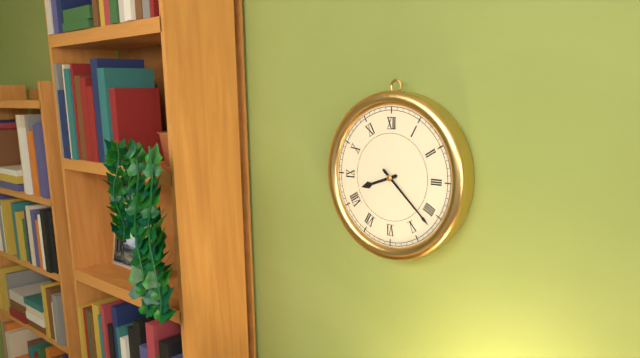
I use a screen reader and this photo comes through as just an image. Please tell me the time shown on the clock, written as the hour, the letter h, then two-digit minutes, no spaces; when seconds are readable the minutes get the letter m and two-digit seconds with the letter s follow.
8h22
